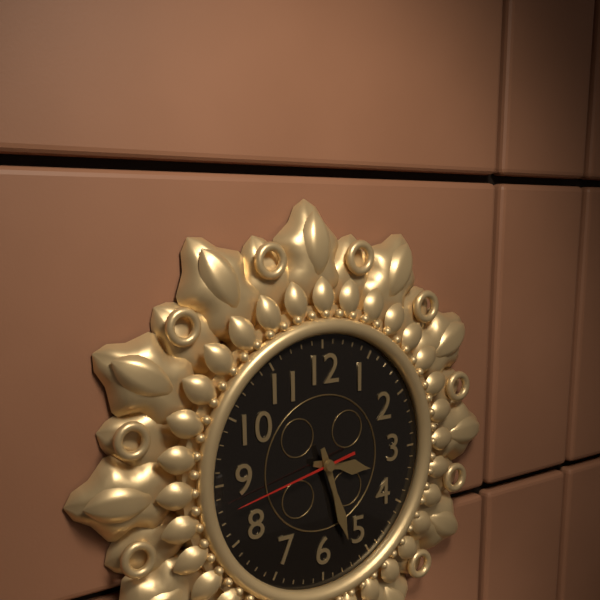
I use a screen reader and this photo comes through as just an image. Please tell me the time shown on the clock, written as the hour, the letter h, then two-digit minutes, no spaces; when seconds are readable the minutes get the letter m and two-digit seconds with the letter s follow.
3h27m43s
